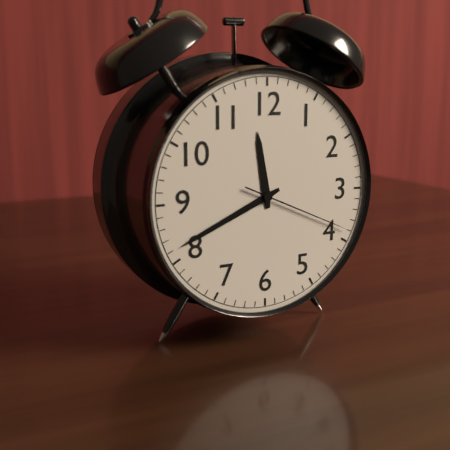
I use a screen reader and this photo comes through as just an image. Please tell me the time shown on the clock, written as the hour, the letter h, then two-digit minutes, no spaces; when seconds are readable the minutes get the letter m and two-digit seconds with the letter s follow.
11h41m19s
